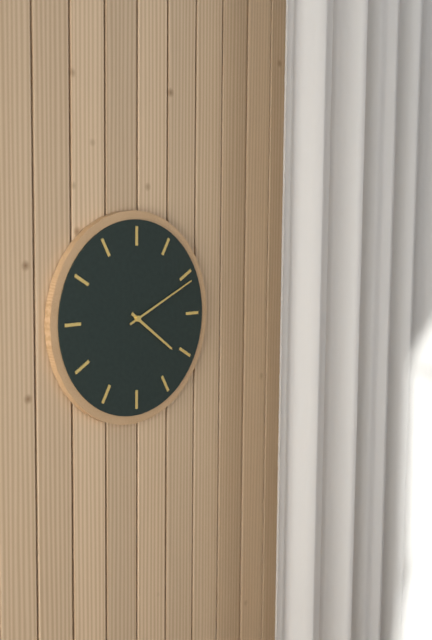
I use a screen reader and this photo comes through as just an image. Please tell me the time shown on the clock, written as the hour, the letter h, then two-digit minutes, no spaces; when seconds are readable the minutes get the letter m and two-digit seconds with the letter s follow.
4h11
